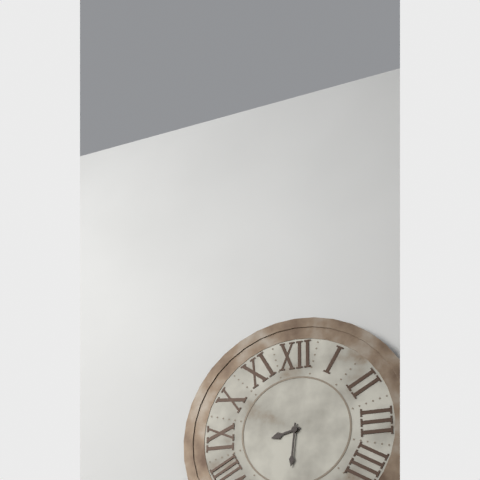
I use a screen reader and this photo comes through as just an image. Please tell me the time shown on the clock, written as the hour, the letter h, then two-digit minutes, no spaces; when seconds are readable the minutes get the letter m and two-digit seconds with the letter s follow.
8h31
